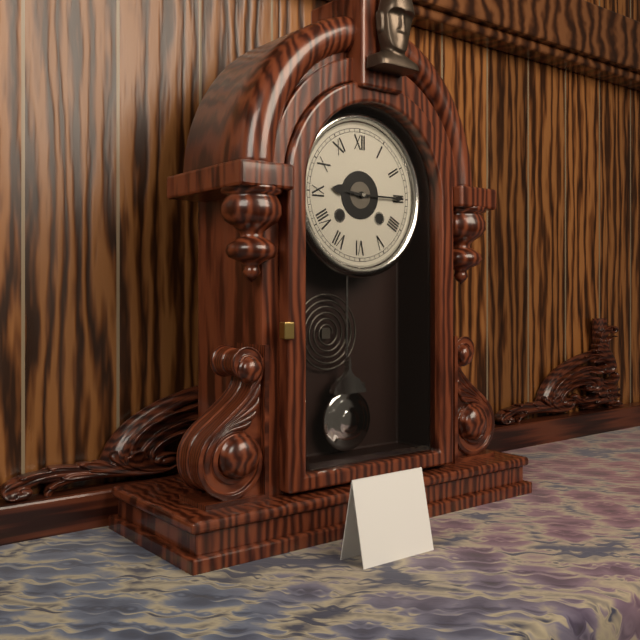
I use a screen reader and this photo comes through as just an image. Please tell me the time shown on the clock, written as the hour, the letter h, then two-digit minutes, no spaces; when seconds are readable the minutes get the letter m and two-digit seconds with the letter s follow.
9h15
